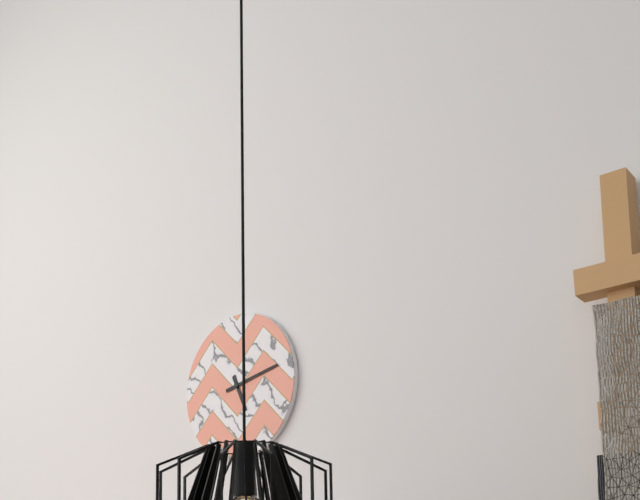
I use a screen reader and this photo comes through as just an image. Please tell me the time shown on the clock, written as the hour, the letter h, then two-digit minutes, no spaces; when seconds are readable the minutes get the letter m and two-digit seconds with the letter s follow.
5h13
